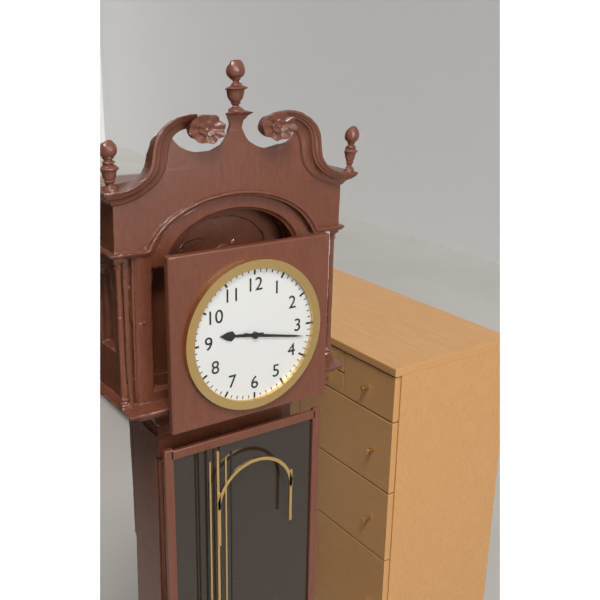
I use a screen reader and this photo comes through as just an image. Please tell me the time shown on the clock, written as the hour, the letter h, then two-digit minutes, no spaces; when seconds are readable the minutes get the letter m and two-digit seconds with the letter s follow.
9h17
